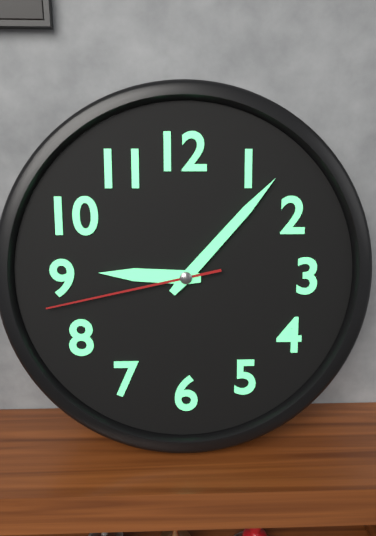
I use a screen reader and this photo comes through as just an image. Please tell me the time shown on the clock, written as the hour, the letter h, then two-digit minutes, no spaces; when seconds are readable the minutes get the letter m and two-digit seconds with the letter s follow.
9h07m43s
